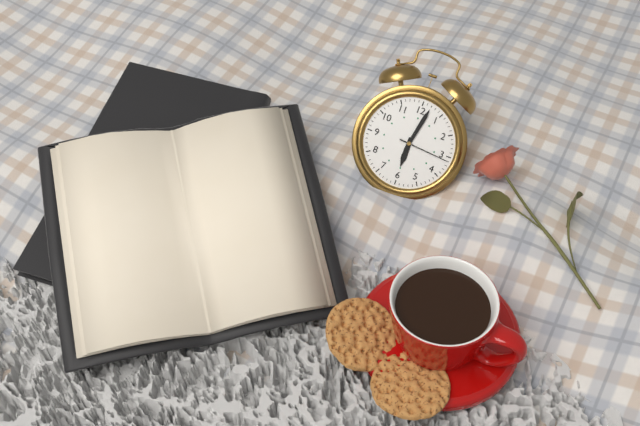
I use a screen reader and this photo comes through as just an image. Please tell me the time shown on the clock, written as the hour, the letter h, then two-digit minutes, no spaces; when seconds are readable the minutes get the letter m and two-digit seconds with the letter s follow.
6h02m16s
